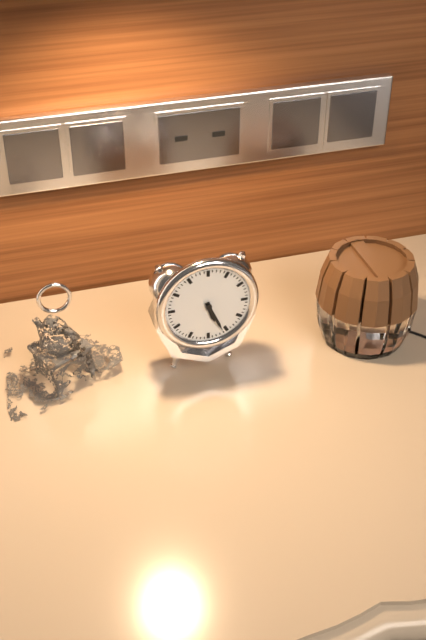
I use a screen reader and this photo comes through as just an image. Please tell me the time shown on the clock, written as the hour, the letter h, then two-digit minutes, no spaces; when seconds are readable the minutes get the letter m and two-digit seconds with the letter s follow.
5h26
